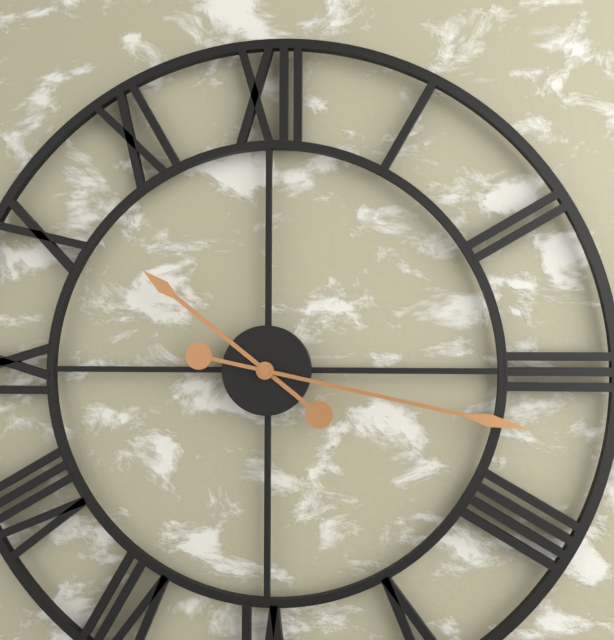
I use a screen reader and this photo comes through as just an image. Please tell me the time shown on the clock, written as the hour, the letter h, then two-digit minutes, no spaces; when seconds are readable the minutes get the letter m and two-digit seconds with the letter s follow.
10h17
